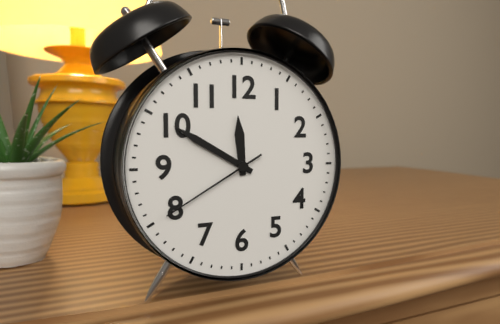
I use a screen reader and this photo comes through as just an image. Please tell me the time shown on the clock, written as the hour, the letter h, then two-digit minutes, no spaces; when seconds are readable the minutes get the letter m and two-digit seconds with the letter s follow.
11h50m40s
